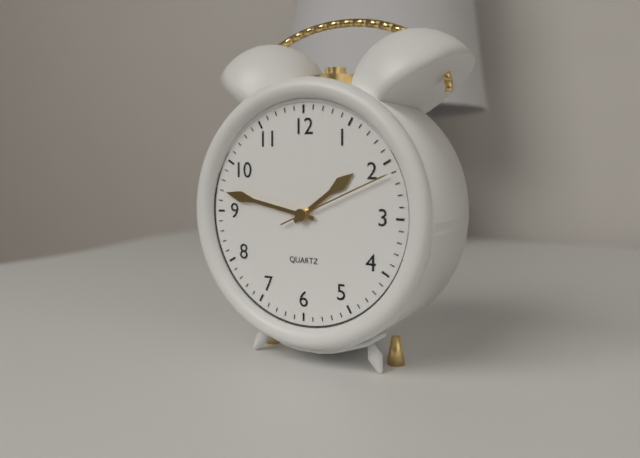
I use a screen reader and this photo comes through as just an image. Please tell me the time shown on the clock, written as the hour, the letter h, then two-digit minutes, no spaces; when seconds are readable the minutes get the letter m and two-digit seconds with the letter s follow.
1h47m11s
